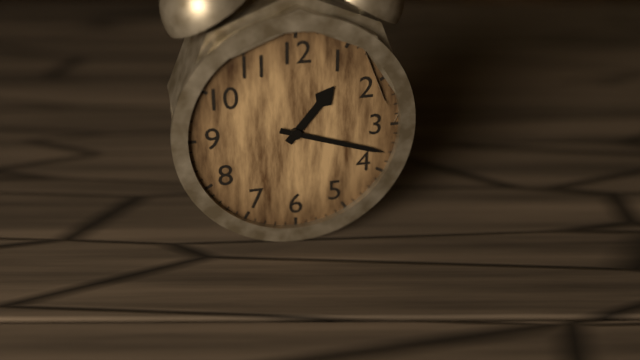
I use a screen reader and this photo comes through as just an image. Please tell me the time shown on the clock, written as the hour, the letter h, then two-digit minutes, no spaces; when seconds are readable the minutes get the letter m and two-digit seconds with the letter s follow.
1h18
